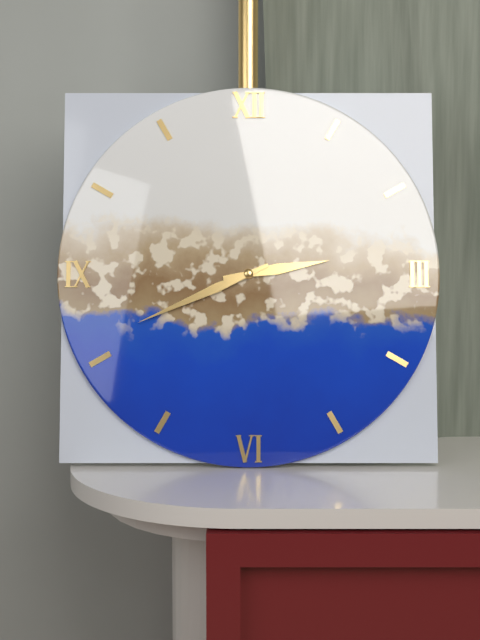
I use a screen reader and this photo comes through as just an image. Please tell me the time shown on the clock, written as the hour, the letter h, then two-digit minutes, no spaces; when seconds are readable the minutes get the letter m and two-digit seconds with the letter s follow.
2h41
